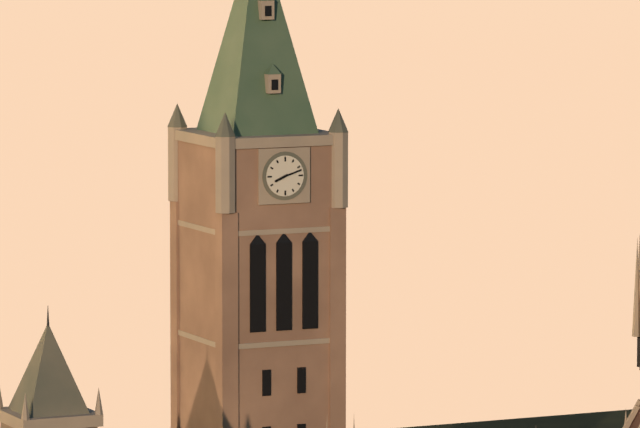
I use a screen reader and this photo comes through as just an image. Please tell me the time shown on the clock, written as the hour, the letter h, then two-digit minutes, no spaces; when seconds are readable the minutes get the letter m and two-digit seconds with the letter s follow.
8h12
